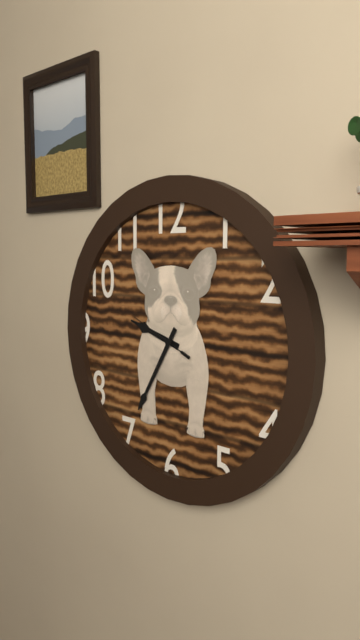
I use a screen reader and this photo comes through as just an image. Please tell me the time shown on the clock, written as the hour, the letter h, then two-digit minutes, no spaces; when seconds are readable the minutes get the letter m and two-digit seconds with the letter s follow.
9h35m49s
